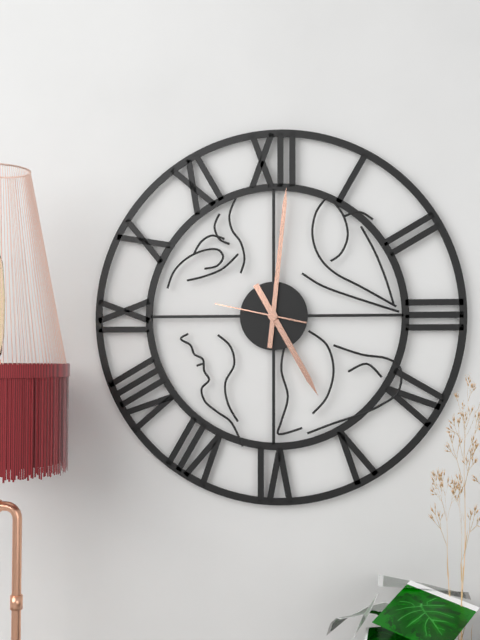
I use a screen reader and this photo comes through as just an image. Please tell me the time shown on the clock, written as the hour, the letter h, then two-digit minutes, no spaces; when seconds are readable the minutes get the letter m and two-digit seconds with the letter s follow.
5h01m47s
